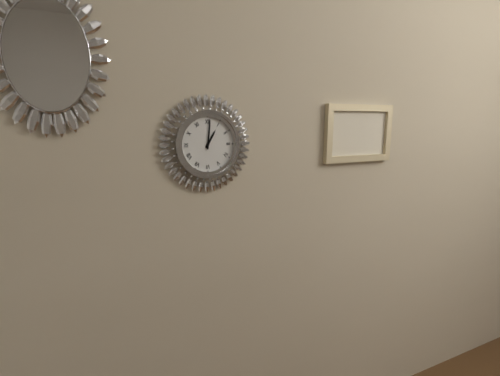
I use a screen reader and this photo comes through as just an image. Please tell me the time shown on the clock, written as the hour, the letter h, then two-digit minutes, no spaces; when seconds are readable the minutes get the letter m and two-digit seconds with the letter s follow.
1h01
